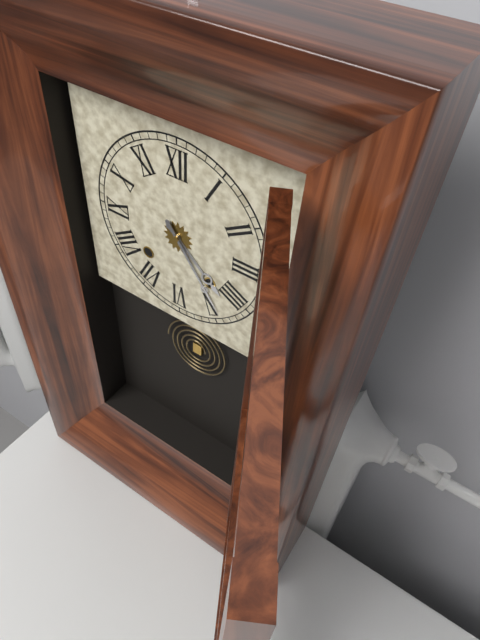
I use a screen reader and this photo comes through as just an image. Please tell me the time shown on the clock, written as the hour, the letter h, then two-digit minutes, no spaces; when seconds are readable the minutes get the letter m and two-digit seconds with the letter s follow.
4h24
